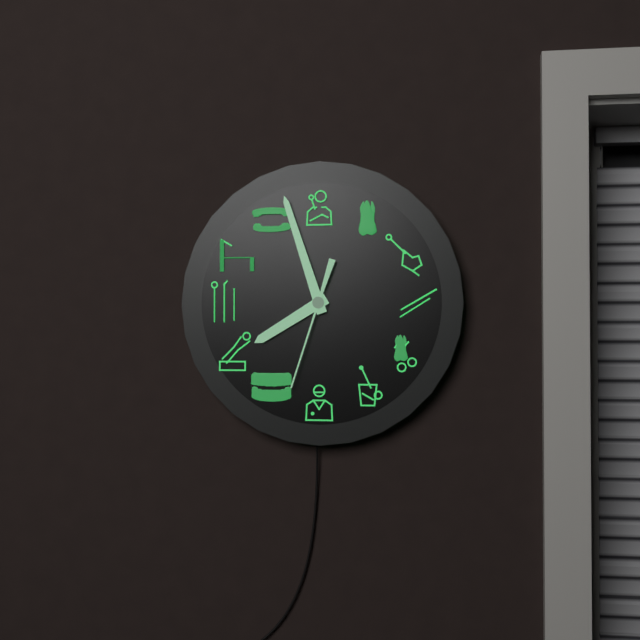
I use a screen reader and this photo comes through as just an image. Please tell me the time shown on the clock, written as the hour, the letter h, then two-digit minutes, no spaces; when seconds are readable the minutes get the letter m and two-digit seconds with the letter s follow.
7h57m33s
